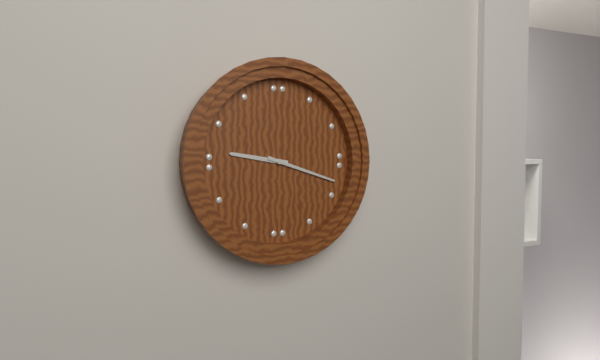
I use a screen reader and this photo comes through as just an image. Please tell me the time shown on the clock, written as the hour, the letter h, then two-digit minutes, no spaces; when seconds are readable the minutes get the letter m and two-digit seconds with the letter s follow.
9h18
